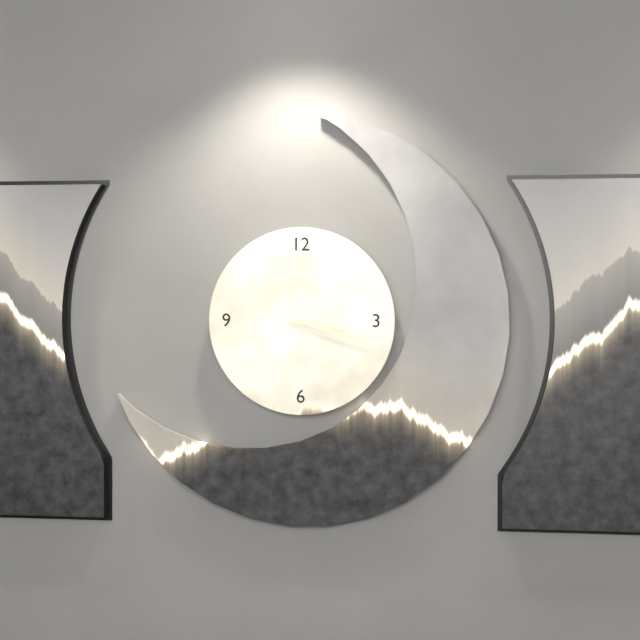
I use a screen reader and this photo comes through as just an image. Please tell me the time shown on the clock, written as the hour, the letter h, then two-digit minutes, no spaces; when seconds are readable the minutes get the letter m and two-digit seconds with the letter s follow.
3h18
